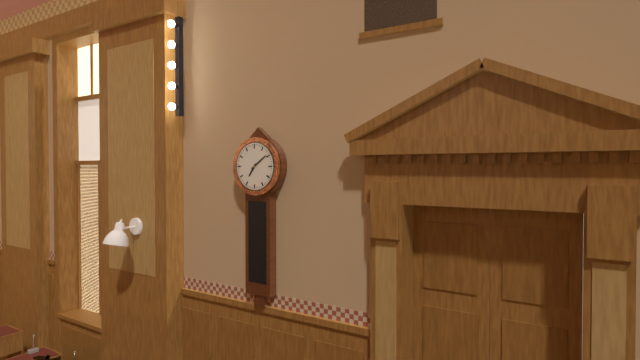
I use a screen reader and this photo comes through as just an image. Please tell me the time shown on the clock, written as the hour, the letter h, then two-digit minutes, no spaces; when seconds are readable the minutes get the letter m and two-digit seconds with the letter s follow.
7h09
